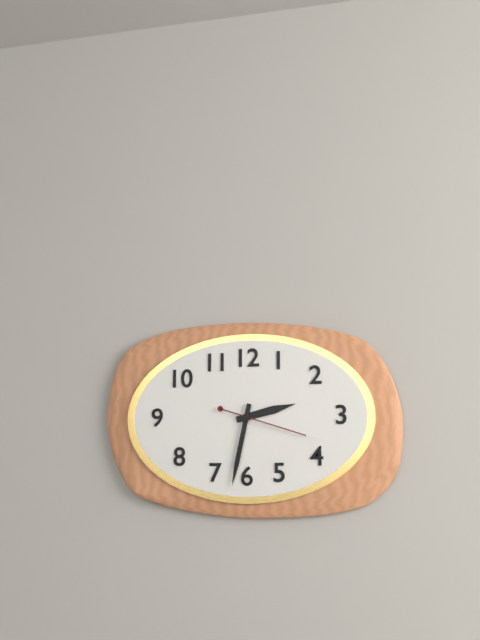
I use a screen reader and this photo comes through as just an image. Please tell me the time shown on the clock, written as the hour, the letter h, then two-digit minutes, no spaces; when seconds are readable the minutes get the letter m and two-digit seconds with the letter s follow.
2h32m18s
